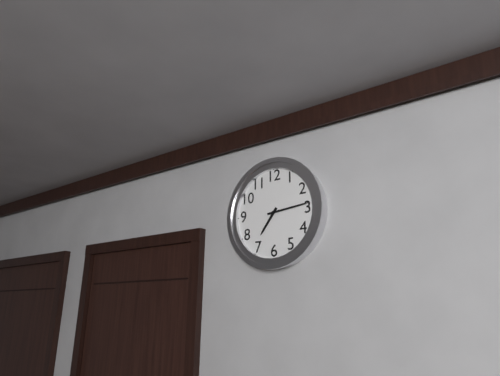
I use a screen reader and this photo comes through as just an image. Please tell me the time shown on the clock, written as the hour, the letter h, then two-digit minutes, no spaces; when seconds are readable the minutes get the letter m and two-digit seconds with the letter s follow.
7h14
